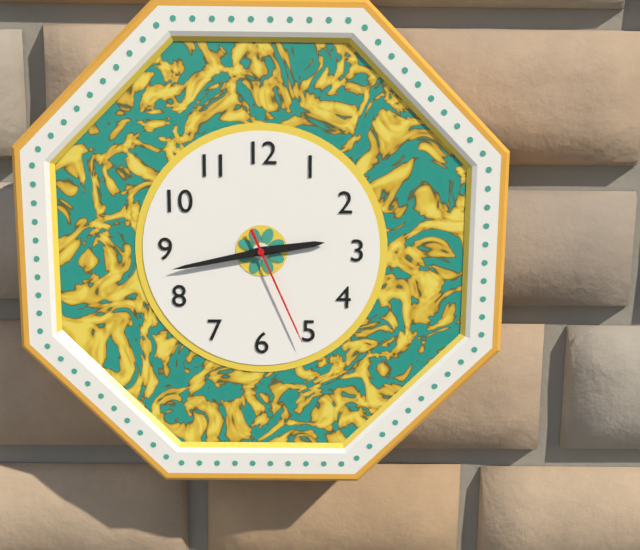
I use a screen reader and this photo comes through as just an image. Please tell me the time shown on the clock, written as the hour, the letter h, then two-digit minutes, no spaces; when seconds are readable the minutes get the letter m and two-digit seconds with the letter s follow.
2h43m26s
